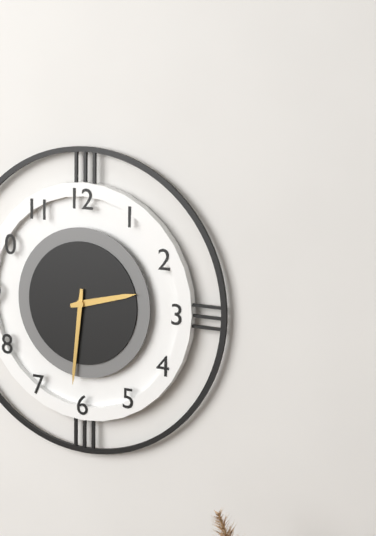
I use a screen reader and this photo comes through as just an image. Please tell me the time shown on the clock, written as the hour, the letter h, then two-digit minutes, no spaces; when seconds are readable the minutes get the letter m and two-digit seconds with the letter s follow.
2h31
